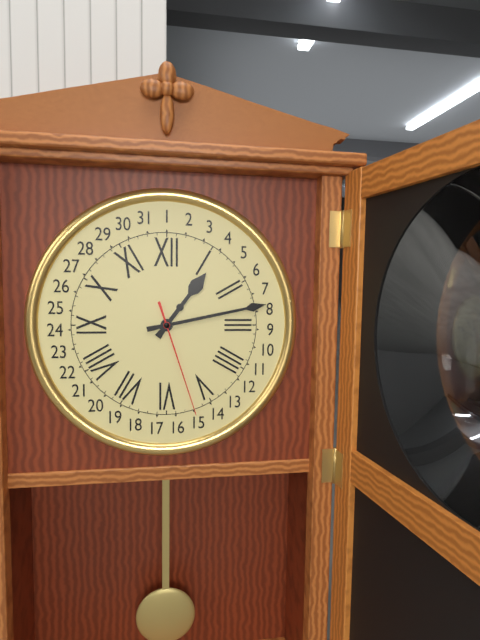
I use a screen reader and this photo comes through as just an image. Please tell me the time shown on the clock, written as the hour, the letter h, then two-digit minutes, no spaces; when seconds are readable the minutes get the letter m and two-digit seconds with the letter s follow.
1h13m27s
